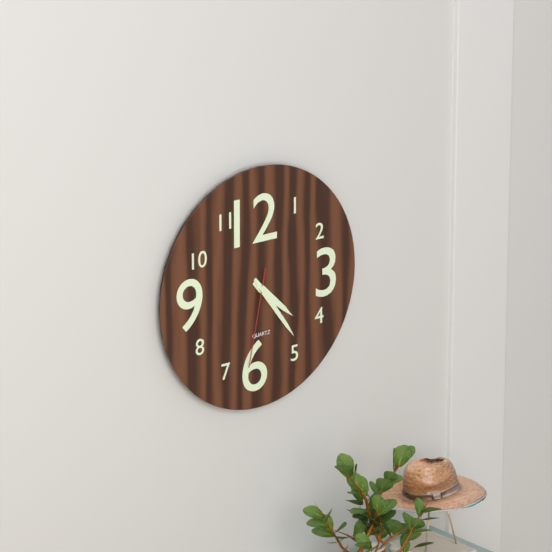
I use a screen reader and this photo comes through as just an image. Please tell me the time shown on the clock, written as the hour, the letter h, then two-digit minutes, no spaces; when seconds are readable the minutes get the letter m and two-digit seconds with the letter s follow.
4h24m32s
